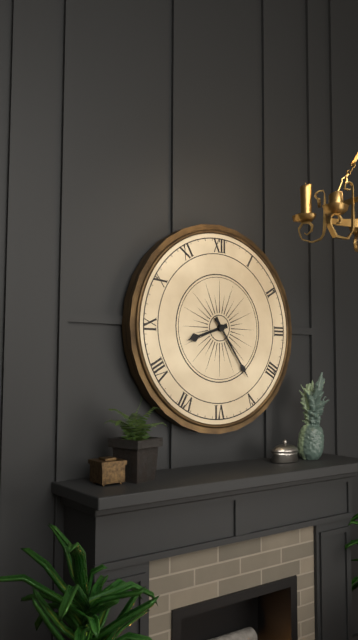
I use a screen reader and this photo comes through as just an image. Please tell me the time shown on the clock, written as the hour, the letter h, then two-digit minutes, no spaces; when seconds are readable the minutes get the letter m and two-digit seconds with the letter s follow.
8h24
